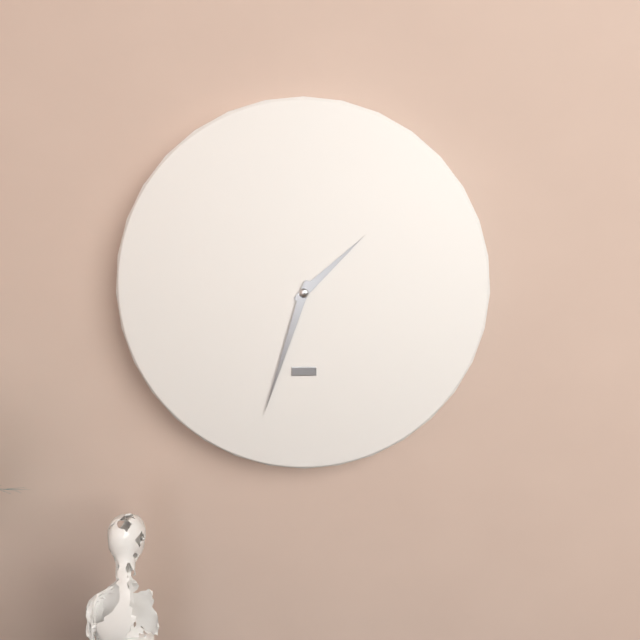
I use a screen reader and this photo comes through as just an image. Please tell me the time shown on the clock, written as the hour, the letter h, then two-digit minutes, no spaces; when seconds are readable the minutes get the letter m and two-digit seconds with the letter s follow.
1h33
